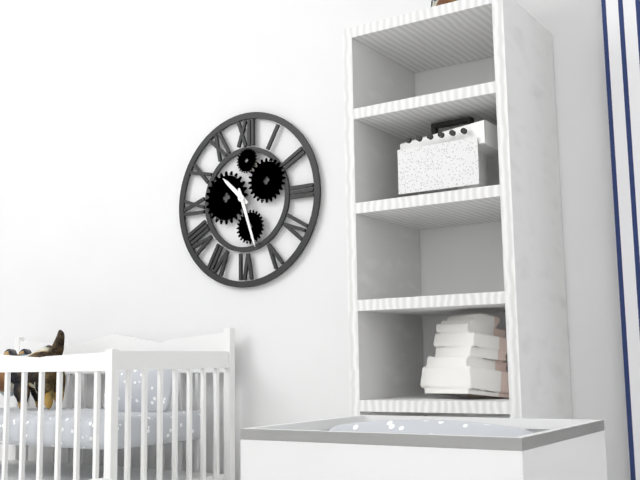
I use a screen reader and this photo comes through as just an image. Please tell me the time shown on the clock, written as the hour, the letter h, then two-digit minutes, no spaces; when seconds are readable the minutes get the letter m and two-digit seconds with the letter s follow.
10h27
